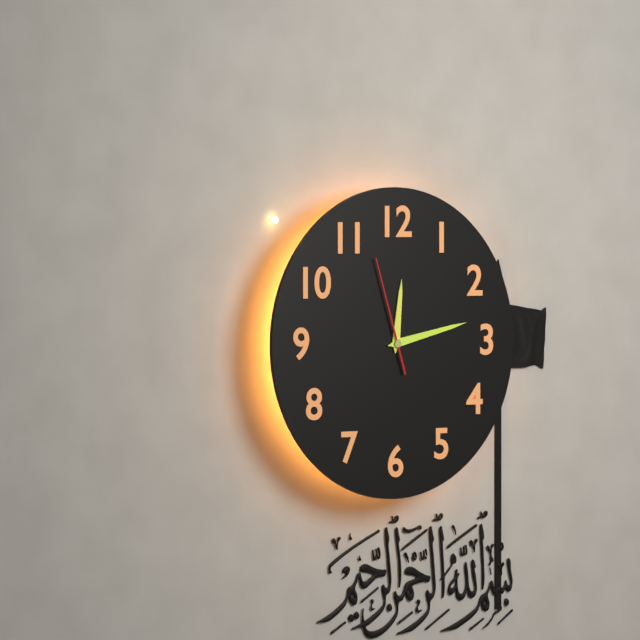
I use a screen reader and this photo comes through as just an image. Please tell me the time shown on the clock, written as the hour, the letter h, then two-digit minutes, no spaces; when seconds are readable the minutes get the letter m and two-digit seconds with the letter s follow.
12h13m57s
